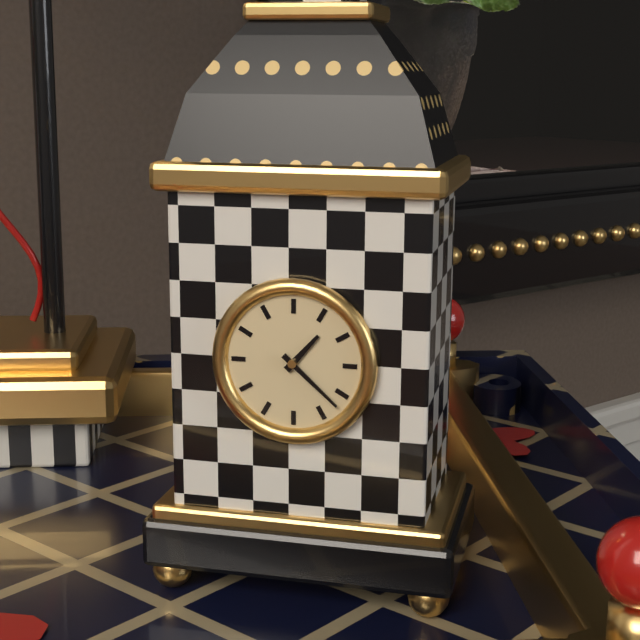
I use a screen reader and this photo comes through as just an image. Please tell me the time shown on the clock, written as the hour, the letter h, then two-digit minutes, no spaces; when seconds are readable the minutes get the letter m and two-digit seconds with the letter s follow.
1h22
